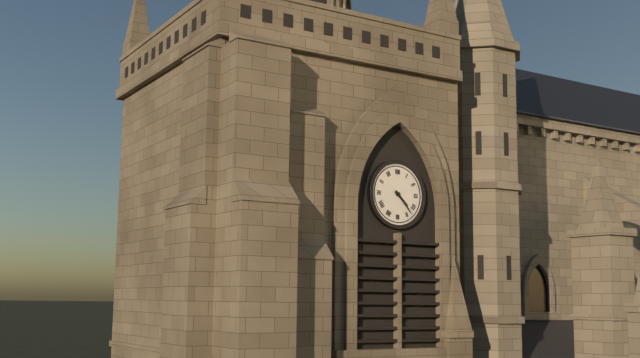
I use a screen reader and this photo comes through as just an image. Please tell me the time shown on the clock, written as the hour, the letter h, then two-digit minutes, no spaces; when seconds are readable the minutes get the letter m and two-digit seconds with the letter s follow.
4h23
